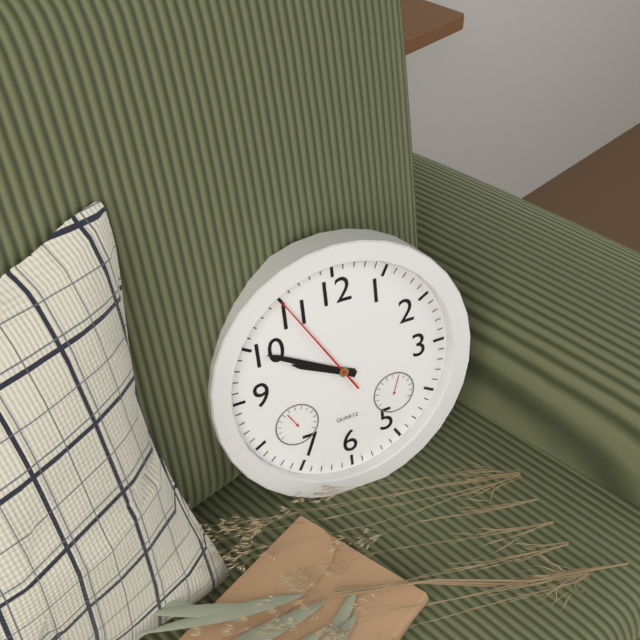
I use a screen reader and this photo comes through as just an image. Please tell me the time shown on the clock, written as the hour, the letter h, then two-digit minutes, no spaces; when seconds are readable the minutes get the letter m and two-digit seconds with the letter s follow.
9h50m55s
